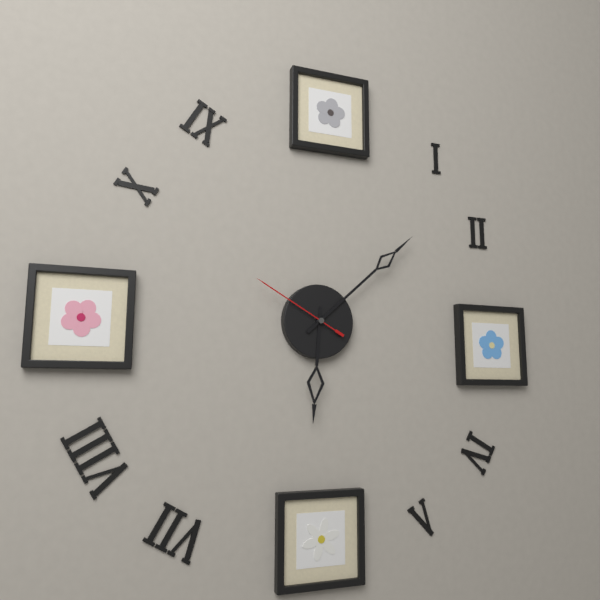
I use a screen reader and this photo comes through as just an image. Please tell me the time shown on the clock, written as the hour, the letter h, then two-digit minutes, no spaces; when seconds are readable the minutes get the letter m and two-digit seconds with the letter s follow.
6h08m50s
